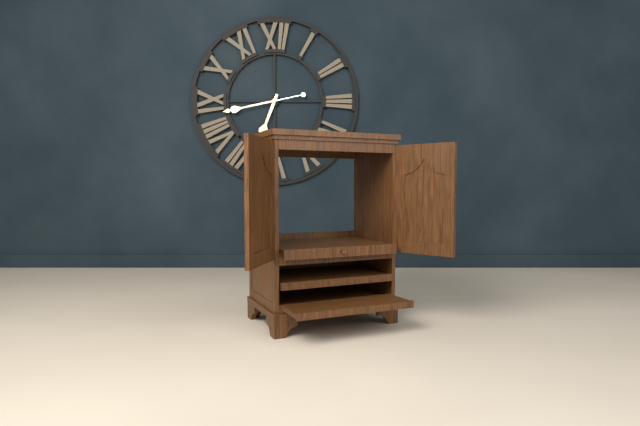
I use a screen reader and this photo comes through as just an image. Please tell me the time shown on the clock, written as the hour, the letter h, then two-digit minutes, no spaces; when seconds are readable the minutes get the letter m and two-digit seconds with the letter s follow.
6h43
